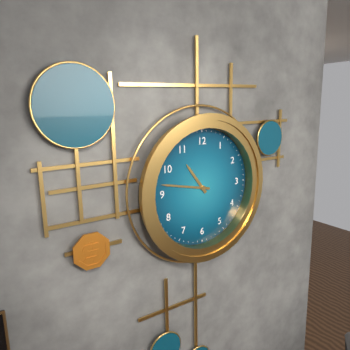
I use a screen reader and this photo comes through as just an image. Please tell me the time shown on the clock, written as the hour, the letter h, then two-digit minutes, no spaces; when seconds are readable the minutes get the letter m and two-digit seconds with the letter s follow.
10h47
